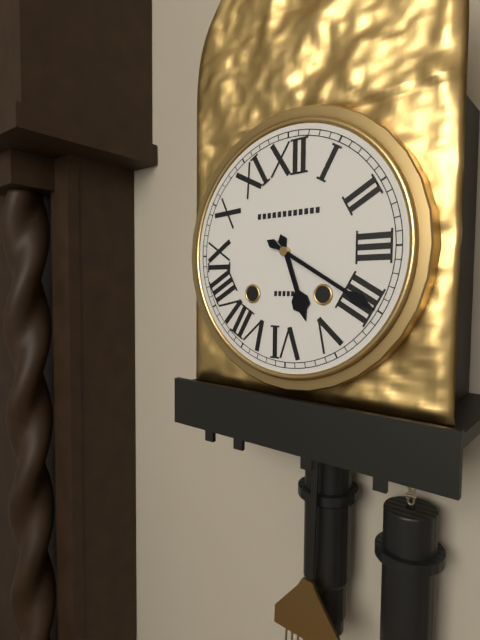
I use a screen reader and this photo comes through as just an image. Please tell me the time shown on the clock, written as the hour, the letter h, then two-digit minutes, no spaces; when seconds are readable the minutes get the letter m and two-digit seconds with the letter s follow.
5h20
